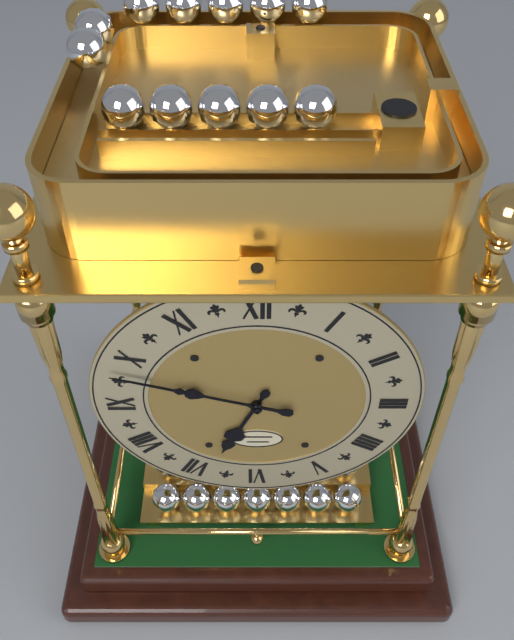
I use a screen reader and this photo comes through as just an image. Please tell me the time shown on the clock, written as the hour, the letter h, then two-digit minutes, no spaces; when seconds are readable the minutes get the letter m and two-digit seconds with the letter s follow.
6h48
